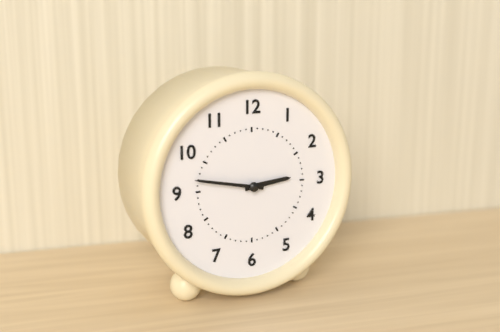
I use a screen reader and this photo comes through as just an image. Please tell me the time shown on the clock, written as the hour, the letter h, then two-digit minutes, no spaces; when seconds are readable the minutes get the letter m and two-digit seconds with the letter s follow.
2h47
